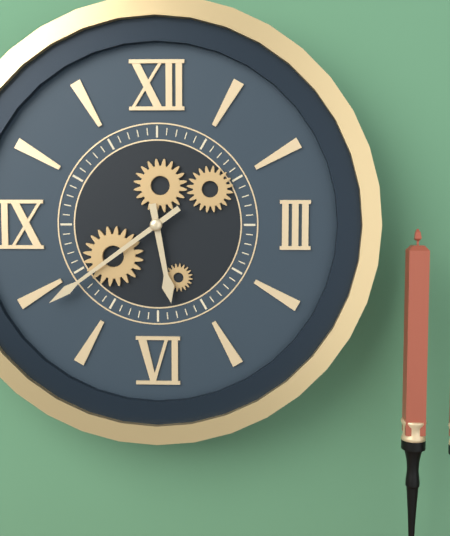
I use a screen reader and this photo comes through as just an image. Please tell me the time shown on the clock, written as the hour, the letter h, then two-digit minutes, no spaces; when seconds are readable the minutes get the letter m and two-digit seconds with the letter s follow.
5h39
